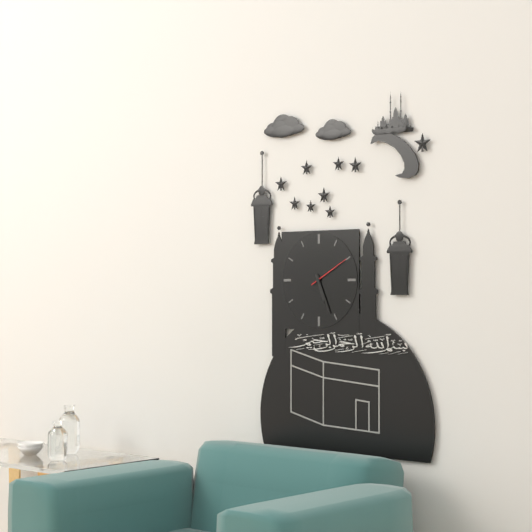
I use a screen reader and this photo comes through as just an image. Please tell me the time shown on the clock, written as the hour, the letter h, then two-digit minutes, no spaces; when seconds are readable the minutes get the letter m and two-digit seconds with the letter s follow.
5h26
